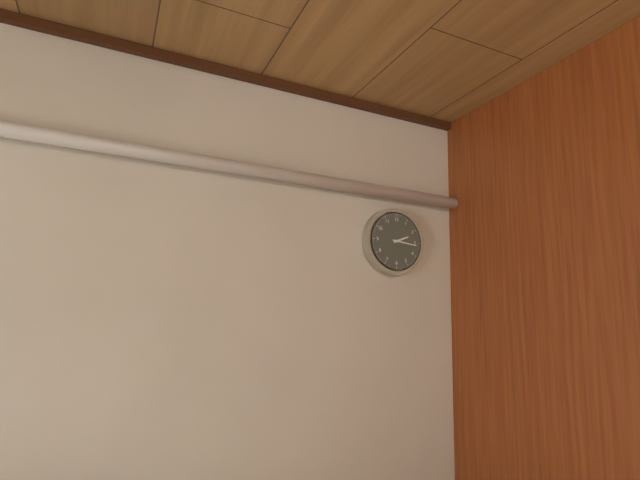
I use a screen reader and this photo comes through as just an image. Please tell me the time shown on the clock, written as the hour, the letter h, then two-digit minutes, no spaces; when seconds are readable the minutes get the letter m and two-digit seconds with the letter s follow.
2h16
